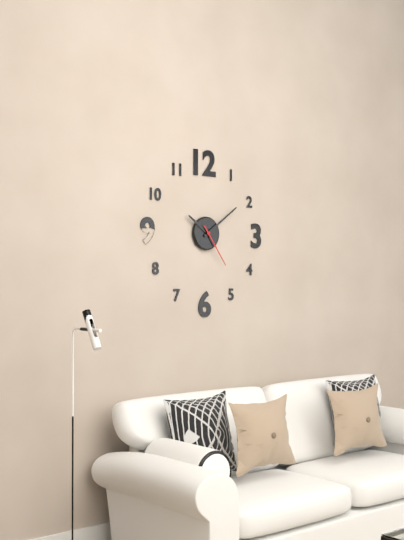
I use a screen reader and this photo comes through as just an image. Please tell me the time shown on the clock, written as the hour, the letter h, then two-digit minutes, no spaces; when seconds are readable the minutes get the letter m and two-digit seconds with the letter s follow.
10h09
